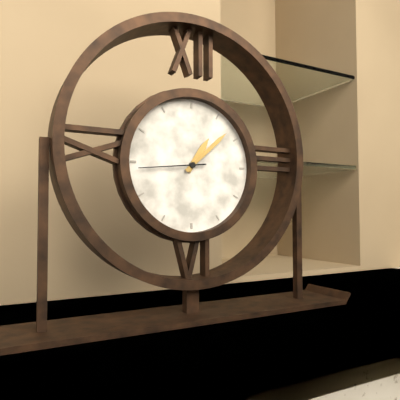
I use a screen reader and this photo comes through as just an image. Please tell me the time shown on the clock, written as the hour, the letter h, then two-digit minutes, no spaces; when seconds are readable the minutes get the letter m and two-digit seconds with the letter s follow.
1h08m44s
